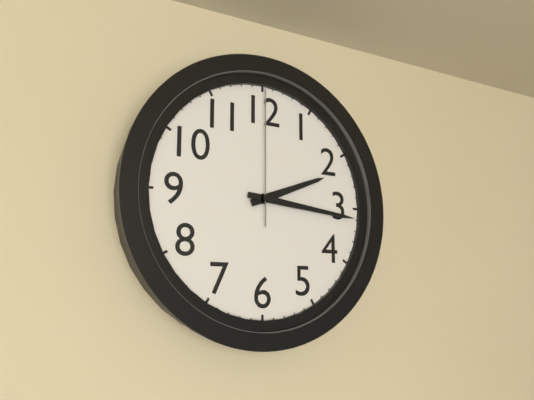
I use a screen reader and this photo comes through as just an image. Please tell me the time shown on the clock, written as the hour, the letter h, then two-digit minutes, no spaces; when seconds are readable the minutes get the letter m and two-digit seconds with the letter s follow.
2h16m00s
